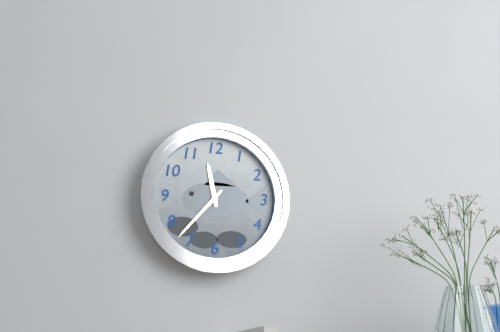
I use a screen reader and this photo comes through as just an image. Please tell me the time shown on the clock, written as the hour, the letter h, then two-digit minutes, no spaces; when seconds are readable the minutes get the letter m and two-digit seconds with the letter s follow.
11h37
